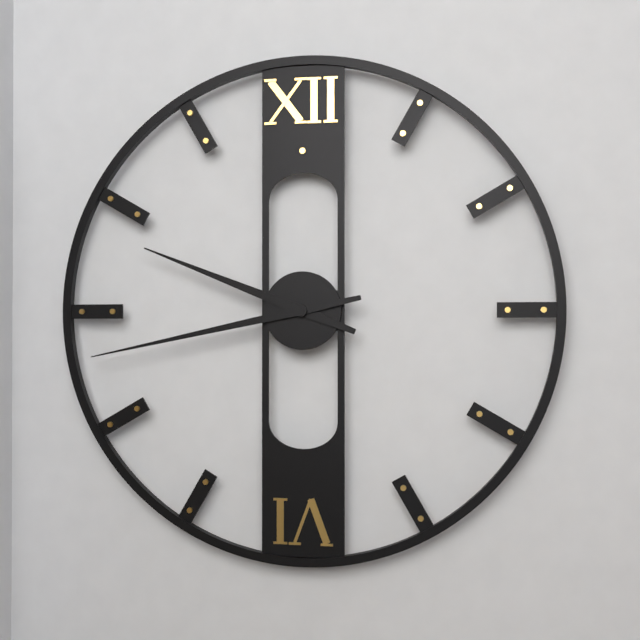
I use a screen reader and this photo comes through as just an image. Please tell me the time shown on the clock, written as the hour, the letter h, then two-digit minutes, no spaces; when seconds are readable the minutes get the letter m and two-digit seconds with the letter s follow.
9h43
